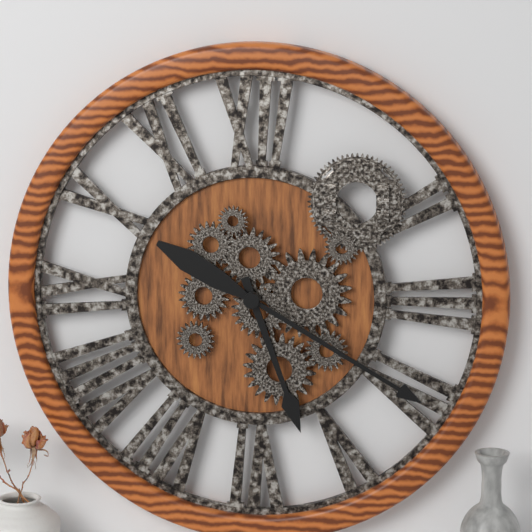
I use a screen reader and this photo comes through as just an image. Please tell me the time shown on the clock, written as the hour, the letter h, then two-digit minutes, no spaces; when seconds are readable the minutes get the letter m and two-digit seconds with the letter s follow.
5h20
